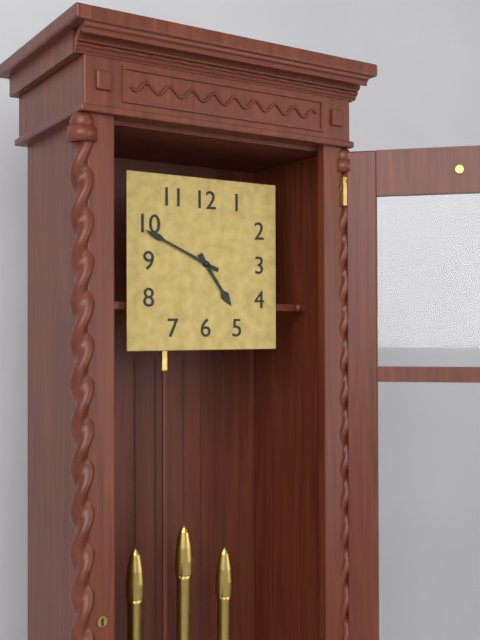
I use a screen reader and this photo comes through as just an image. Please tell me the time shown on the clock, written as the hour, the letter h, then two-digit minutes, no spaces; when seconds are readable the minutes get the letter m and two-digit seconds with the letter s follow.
4h49
